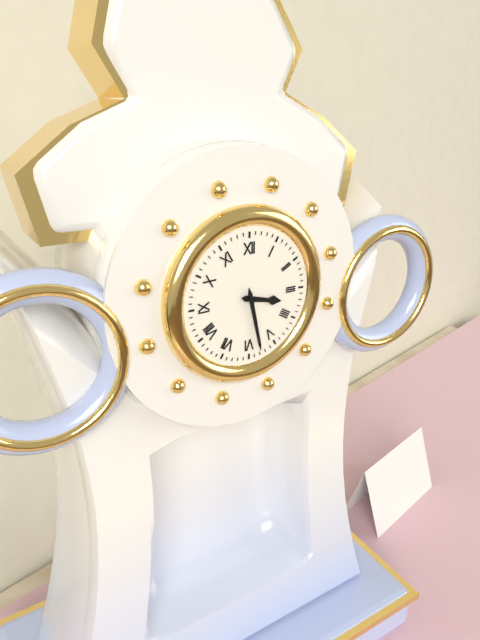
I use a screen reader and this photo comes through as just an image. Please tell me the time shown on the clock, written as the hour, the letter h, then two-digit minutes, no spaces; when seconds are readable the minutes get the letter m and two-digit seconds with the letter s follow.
3h28
